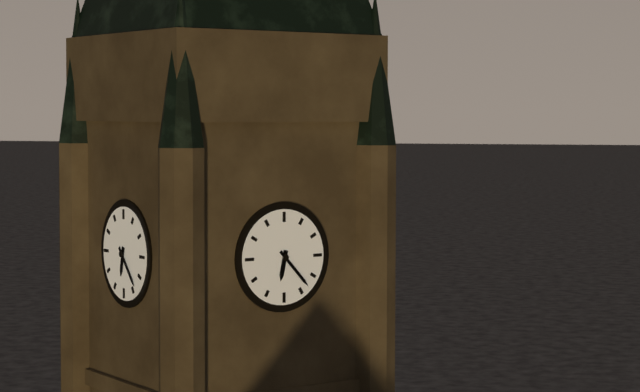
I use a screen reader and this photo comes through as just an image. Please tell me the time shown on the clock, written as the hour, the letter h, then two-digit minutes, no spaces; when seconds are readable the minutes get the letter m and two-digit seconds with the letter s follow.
6h23
